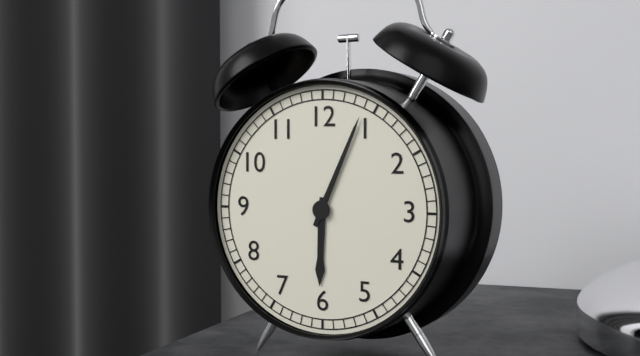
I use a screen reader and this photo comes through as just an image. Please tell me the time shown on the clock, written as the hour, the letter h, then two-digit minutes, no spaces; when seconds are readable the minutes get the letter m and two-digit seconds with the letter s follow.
6h04
